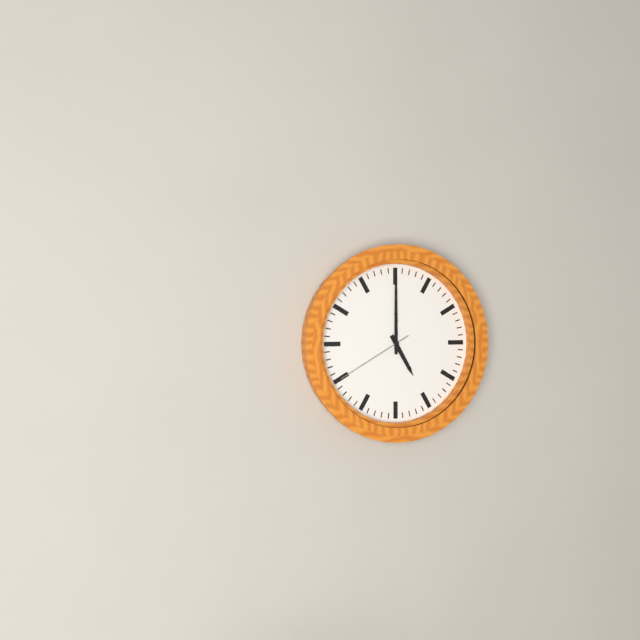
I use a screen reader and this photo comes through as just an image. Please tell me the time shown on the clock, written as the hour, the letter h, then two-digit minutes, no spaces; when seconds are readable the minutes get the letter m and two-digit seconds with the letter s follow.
5h00m40s
